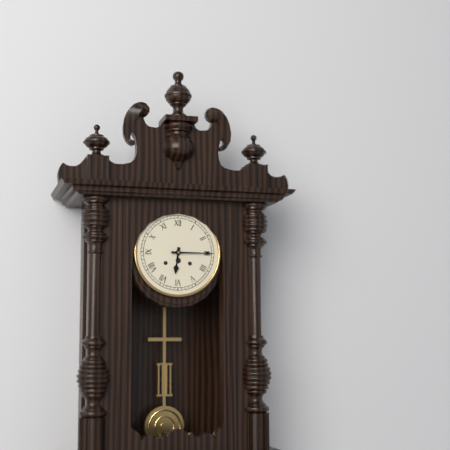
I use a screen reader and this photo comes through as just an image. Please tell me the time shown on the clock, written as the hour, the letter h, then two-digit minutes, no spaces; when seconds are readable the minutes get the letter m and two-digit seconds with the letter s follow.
6h15
